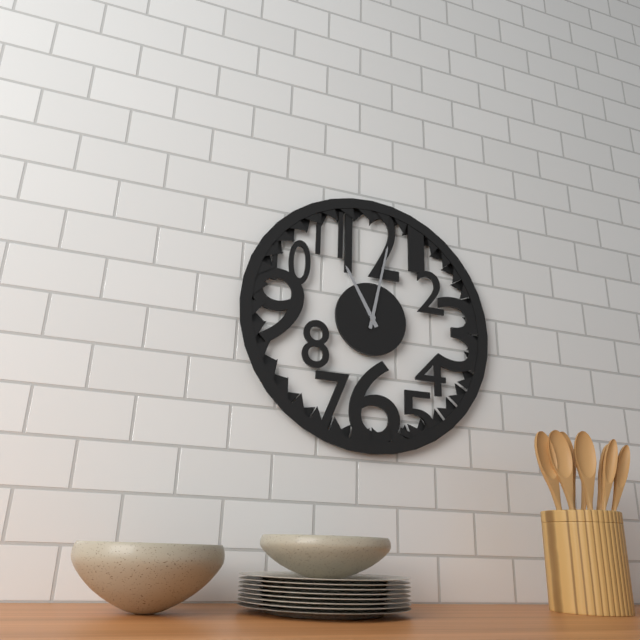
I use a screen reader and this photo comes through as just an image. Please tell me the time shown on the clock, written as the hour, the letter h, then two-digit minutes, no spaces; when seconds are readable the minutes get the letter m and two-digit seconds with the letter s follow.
11h02
